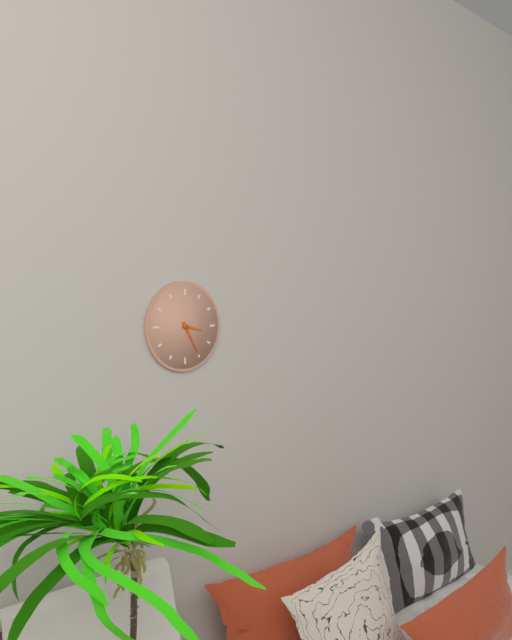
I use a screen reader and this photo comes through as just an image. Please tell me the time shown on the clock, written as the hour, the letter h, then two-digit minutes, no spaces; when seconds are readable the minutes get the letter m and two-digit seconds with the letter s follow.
3h25
